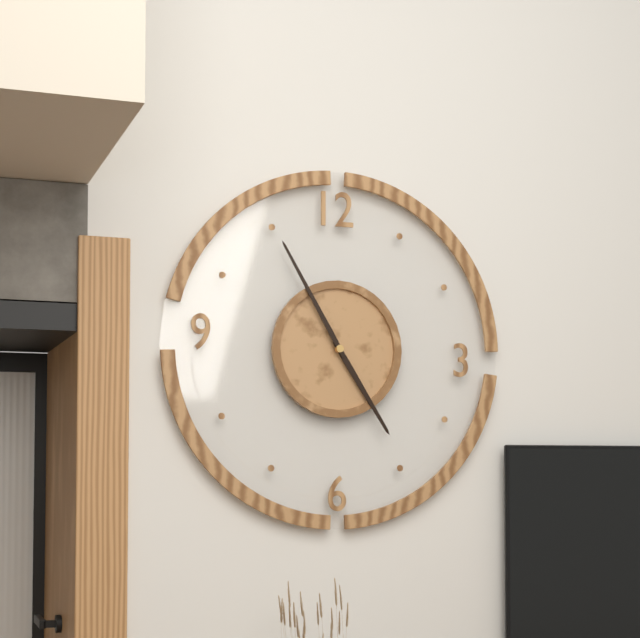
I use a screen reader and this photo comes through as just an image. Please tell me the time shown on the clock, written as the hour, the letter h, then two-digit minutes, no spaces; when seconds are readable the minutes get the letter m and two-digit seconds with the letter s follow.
4h55
